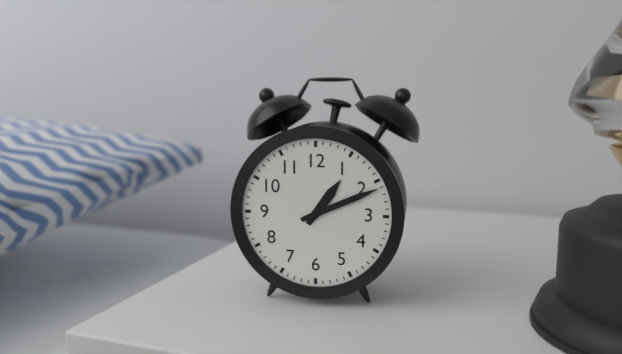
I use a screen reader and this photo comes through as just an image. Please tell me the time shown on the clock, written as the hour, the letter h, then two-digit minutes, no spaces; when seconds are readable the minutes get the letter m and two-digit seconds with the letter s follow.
1h11
